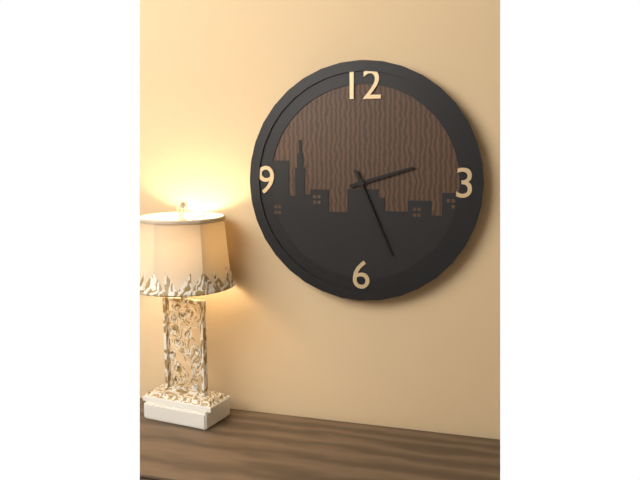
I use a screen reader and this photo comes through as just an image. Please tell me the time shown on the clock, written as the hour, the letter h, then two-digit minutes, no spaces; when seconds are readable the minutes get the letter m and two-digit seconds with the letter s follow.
2h26
